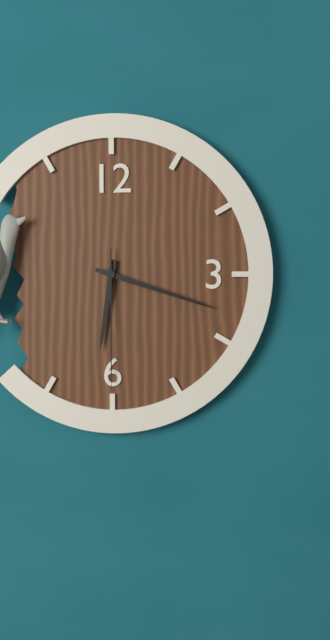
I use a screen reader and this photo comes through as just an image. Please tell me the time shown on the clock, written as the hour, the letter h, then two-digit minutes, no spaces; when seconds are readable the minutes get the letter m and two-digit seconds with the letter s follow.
6h18m30s
